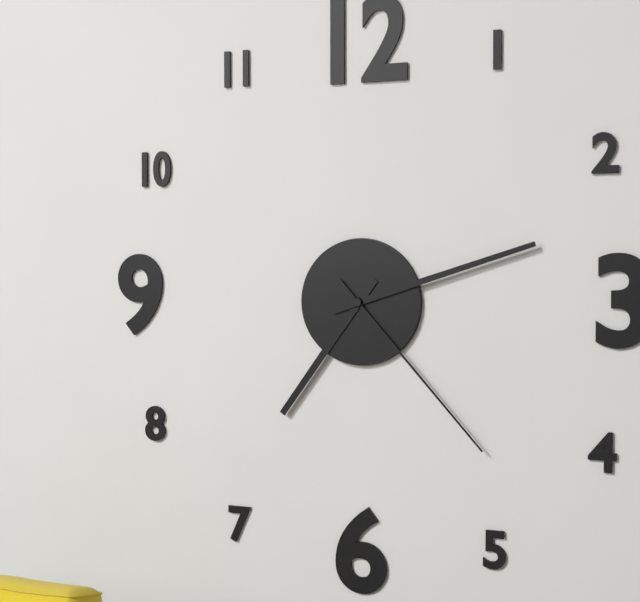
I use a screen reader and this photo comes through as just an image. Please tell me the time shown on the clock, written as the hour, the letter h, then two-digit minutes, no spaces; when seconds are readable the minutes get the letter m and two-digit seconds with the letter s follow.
7h12m23s
